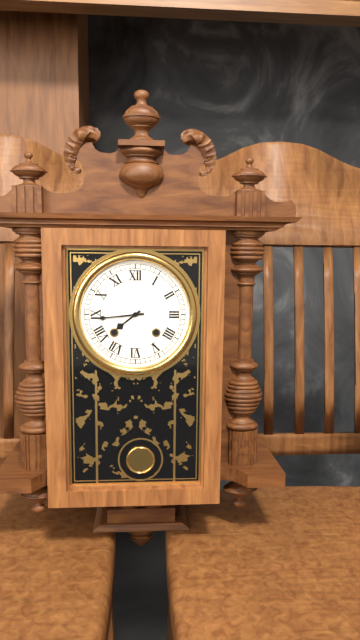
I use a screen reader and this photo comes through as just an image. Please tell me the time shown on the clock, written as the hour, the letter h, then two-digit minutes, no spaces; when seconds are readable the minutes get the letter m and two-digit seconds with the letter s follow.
7h44
